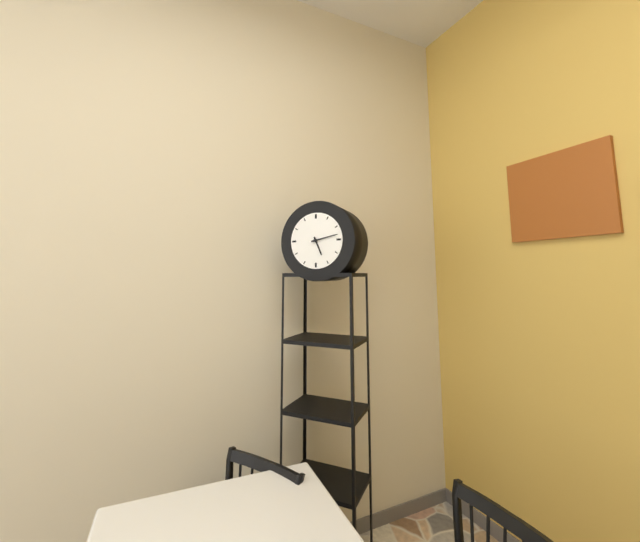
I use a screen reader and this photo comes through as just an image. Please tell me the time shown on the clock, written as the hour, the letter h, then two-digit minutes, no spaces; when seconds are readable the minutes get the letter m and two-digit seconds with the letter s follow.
5h13
